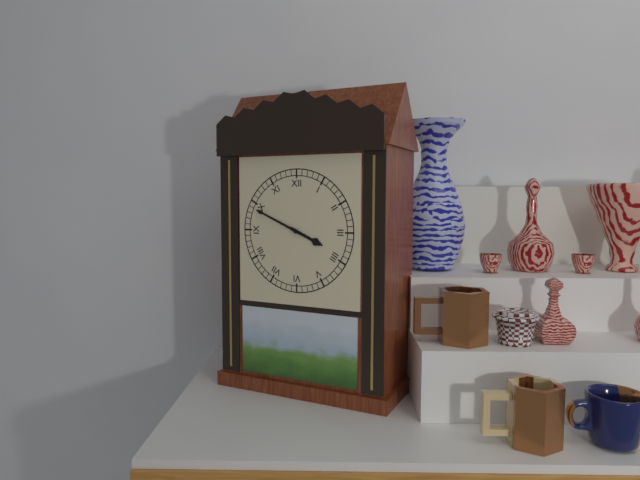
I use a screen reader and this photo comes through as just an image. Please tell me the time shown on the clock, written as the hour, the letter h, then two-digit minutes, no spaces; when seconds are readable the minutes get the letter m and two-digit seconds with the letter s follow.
3h49
